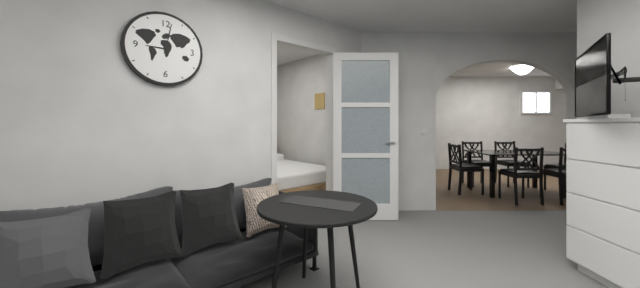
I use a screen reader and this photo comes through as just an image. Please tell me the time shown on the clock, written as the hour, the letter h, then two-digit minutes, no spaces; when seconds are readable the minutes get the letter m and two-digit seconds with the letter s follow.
9h02
